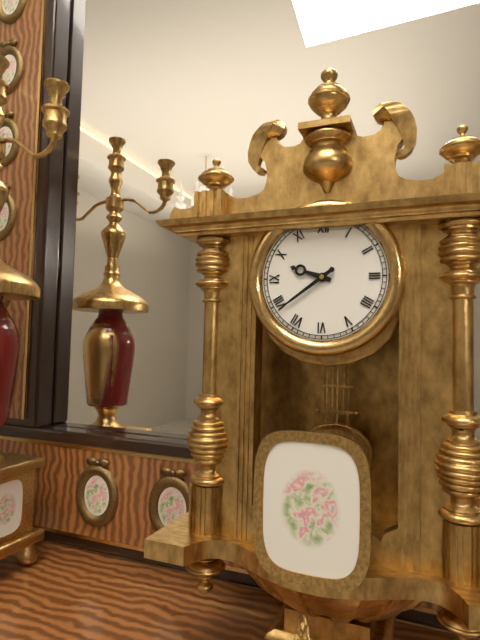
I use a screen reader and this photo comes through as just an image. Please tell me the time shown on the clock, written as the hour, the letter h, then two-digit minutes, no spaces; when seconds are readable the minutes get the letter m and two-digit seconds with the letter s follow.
9h39
